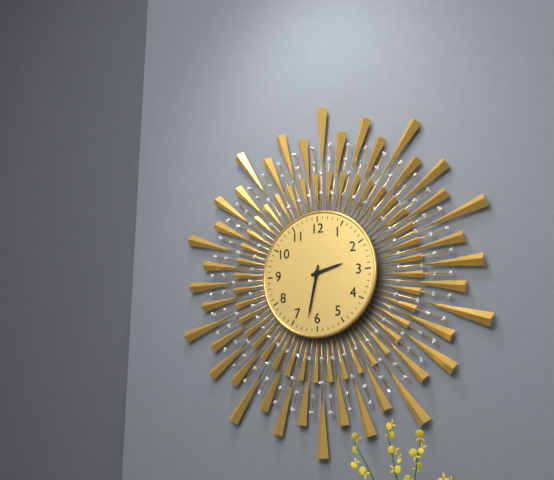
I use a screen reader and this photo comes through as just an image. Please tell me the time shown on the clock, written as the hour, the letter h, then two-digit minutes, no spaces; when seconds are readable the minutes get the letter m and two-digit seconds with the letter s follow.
2h32
